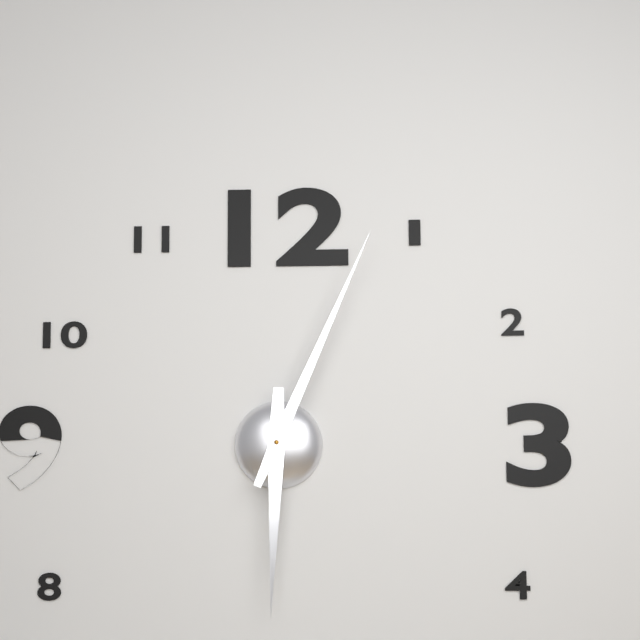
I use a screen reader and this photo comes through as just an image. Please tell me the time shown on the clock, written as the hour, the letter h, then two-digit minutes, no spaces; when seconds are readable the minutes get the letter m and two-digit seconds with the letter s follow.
6h04
